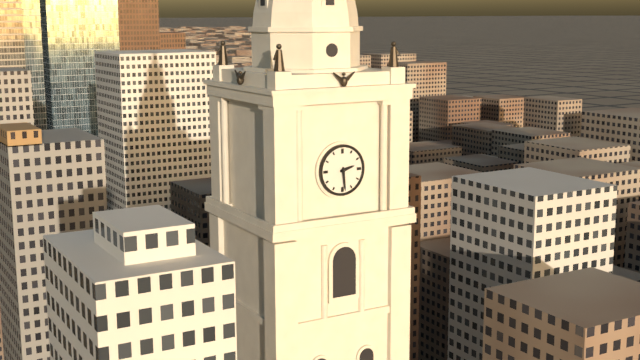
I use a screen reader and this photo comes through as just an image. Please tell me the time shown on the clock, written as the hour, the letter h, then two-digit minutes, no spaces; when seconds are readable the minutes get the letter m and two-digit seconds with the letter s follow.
2h29
